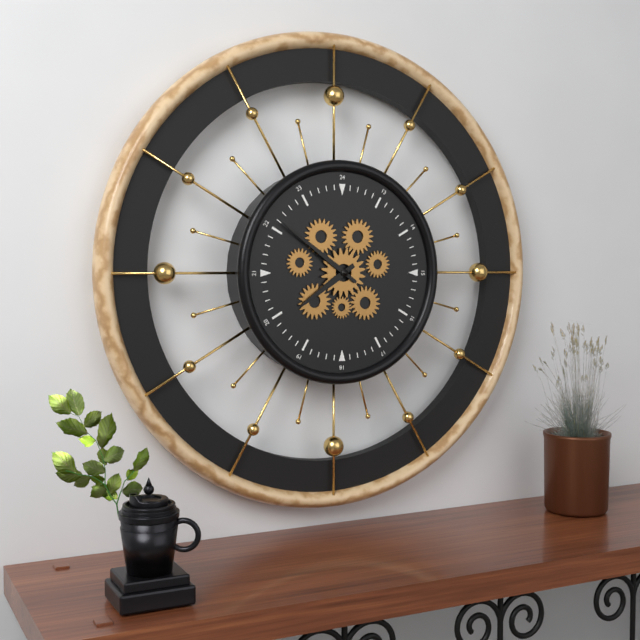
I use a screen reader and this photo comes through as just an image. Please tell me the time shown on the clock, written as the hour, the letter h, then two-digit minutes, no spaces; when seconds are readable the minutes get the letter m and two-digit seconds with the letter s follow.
7h51
